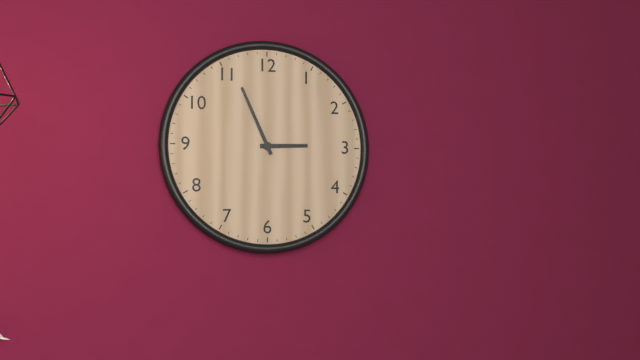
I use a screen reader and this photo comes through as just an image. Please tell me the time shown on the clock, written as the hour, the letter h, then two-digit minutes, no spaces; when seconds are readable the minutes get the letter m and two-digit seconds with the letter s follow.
2h56
